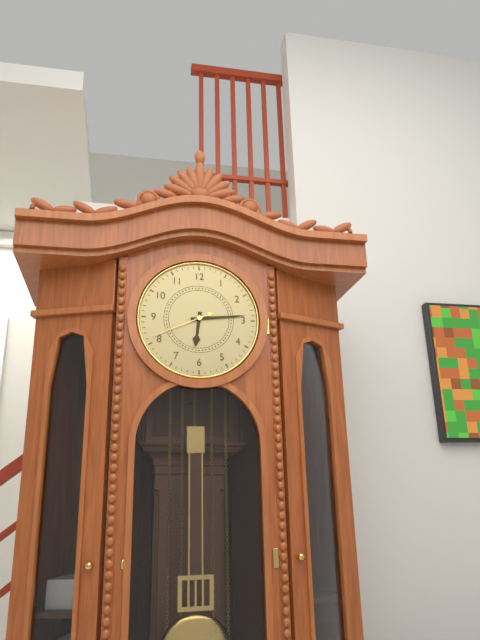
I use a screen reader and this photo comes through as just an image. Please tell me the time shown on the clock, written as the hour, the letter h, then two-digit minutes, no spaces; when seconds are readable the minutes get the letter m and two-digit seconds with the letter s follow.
6h14m41s
